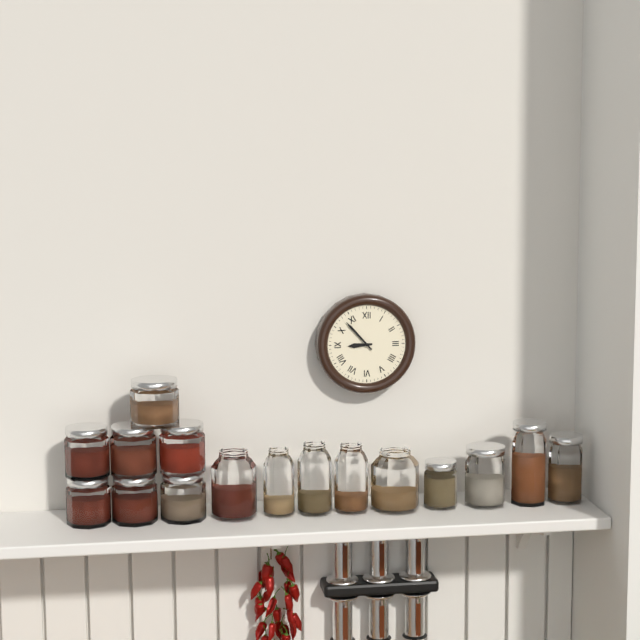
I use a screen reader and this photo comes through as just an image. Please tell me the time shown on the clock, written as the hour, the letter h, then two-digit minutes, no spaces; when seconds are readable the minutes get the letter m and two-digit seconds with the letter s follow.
8h53
